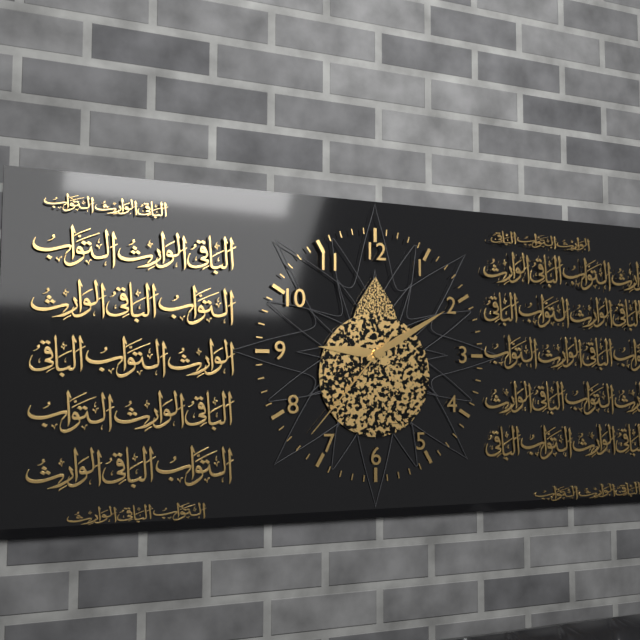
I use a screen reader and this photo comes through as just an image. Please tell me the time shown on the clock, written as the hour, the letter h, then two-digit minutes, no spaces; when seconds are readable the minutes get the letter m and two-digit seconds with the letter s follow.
9h10m37s
